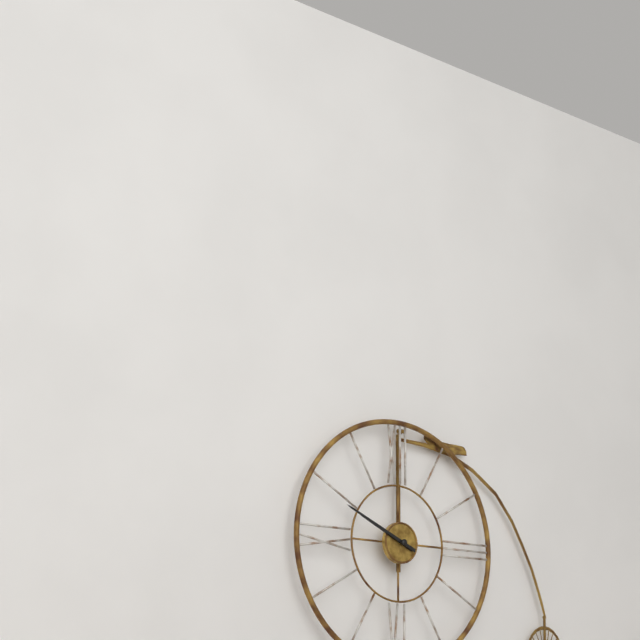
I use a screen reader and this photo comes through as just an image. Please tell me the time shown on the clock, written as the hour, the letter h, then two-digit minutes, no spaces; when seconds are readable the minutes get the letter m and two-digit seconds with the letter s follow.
9h49
